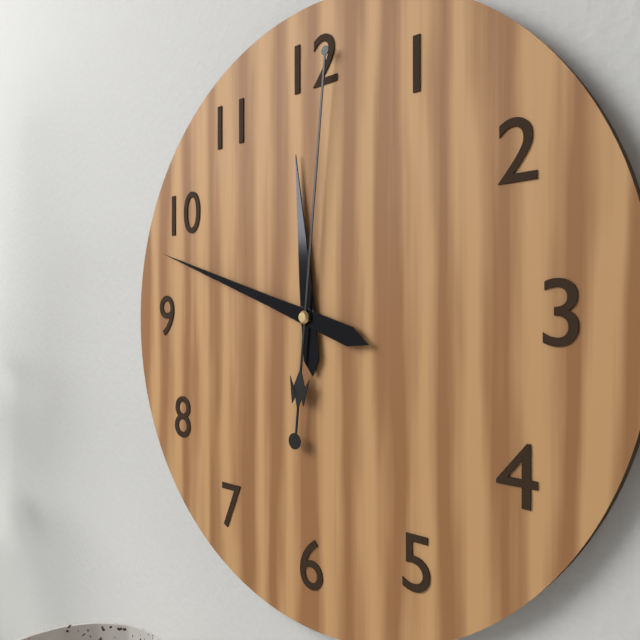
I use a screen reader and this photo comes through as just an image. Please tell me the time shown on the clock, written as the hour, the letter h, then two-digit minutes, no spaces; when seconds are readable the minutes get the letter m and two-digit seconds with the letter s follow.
11h48m01s
